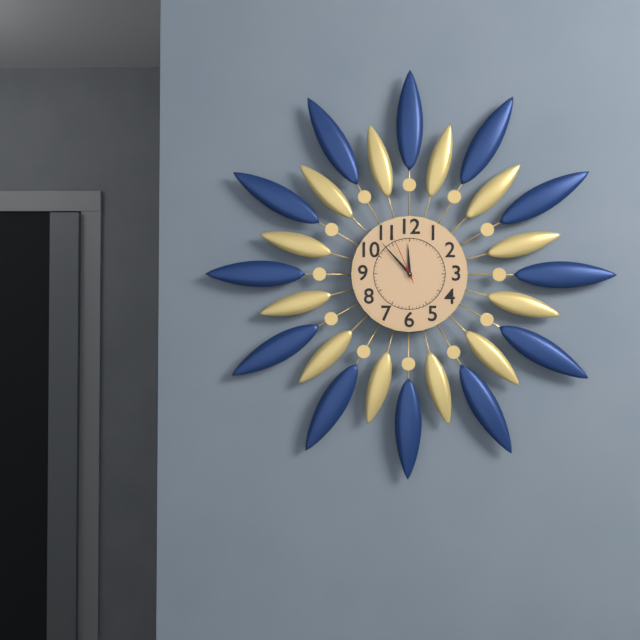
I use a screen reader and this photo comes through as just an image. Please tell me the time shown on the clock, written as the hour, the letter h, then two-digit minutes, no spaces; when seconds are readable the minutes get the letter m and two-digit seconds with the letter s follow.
11h53m56s
